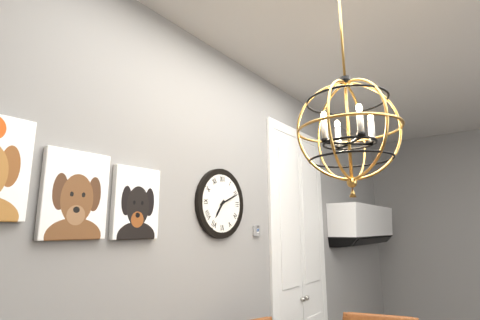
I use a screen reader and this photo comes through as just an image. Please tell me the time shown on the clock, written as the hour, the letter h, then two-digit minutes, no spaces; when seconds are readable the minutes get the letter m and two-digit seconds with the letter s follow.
7h11
